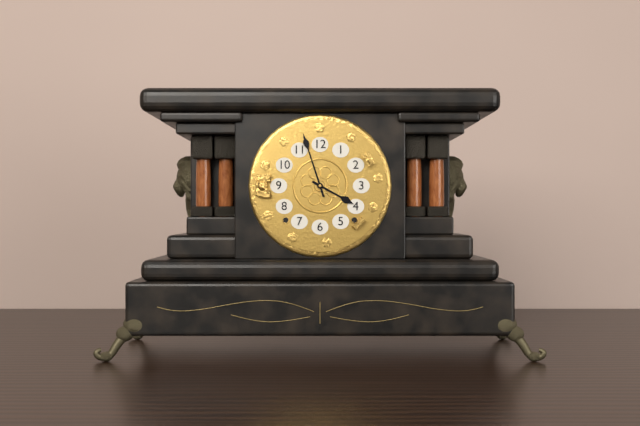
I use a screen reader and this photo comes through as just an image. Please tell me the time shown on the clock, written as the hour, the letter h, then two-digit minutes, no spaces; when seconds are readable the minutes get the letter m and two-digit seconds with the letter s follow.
3h57
